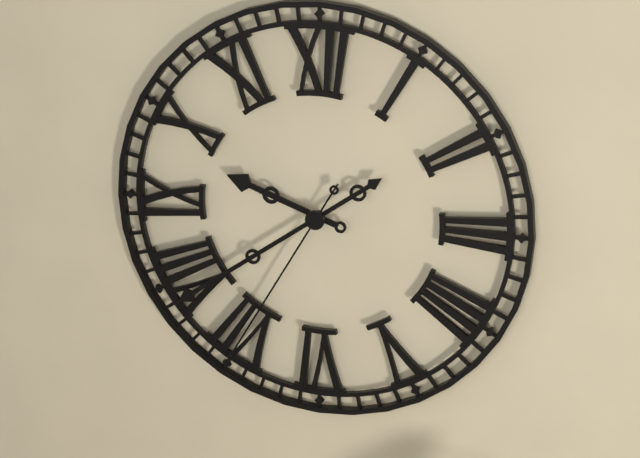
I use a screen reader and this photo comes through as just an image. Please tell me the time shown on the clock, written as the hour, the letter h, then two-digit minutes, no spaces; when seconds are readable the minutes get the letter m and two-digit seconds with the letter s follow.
9h39m35s
